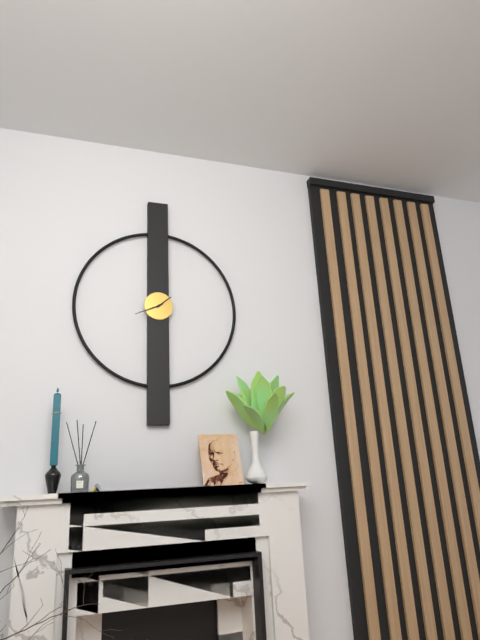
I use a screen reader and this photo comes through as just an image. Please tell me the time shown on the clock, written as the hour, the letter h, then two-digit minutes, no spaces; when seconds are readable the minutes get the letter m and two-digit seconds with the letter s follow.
1h41
